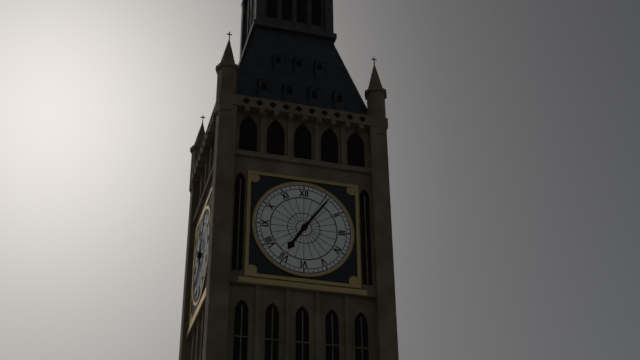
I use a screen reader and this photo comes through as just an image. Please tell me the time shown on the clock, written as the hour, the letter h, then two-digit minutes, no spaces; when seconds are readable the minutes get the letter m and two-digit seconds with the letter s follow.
7h06
